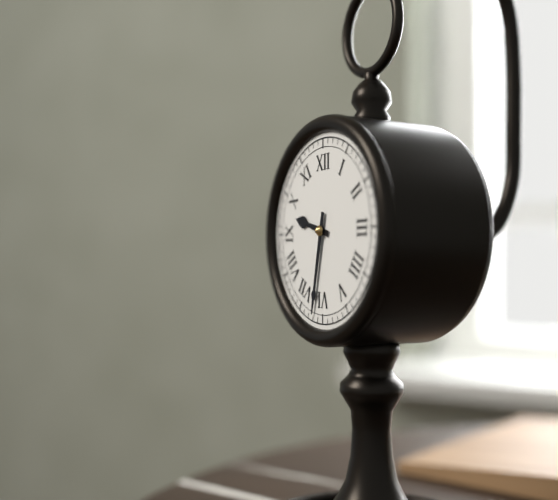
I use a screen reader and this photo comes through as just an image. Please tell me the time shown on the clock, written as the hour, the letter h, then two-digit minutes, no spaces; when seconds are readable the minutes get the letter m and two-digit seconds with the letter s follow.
9h32
